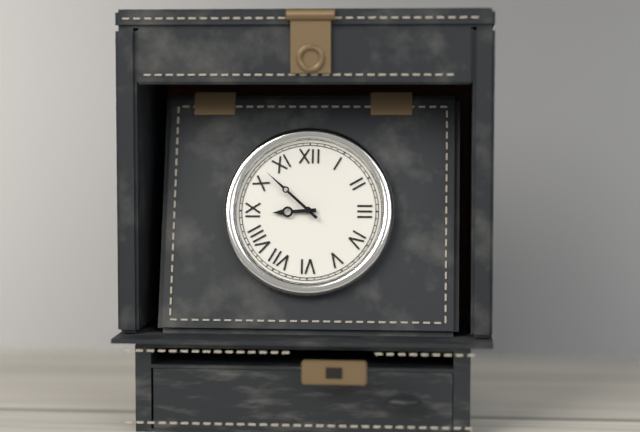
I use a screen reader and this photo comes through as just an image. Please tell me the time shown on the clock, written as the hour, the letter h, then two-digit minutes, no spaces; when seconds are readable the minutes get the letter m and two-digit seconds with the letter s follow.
8h52
